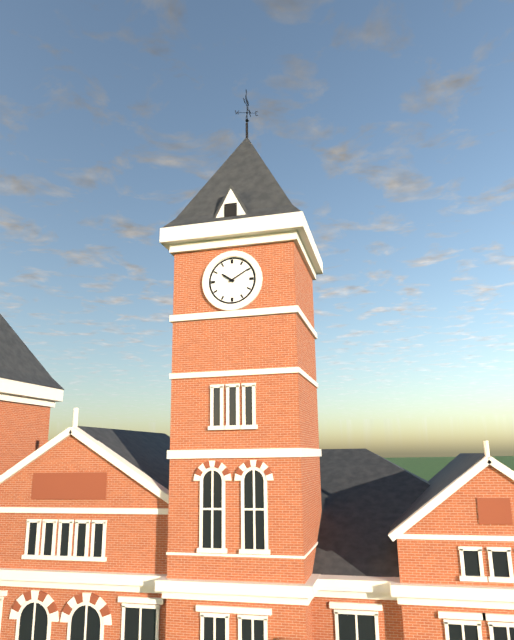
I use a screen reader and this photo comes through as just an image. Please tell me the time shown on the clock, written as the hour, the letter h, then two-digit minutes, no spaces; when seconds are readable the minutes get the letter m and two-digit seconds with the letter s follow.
10h10
